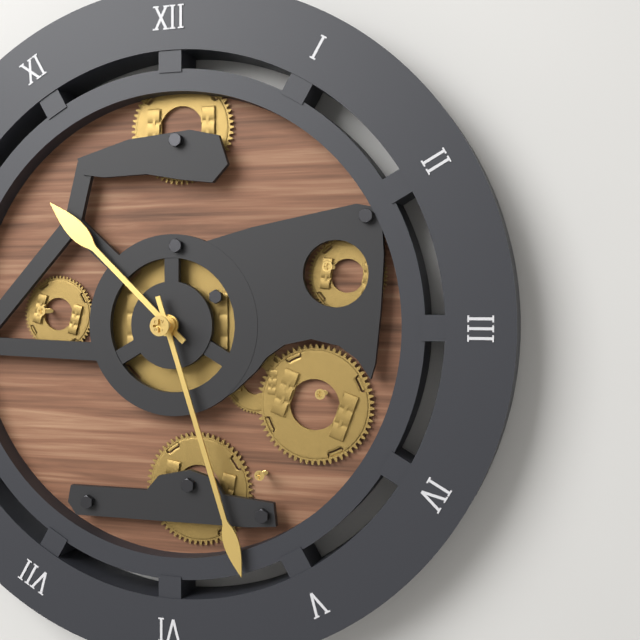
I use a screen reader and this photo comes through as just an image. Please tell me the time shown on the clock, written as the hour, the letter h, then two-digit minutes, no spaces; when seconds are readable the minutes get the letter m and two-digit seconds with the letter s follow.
10h27
